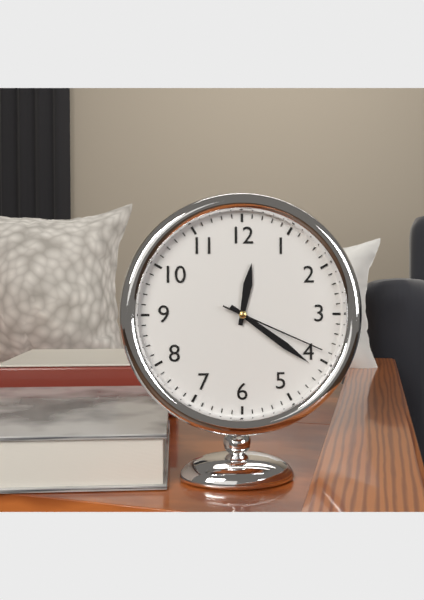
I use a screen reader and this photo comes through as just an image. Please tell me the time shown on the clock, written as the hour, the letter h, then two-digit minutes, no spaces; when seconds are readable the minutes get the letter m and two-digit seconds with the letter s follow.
12h21m19s
